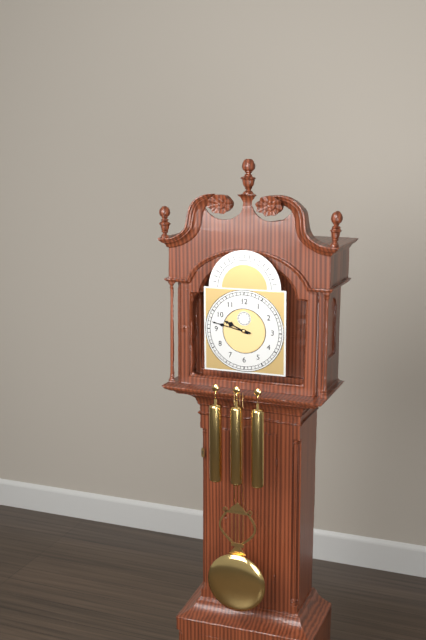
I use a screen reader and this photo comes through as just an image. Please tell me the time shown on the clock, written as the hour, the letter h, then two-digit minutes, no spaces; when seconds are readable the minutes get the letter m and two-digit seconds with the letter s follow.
9h47
